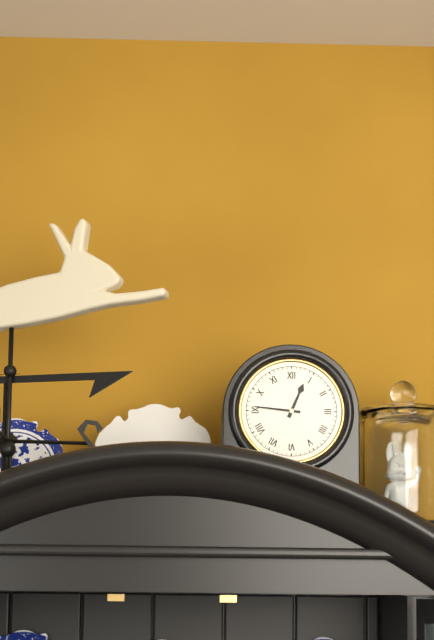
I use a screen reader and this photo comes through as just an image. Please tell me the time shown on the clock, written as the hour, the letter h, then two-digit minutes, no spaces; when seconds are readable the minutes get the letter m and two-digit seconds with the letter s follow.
12h46
